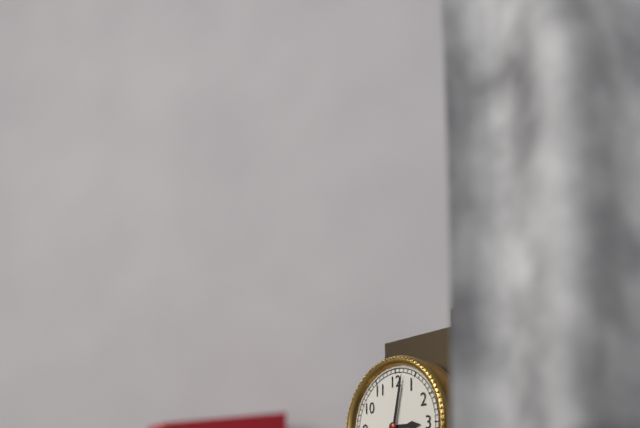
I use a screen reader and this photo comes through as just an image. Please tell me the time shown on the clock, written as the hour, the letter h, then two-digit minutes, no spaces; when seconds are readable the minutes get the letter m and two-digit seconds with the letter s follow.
3h02
